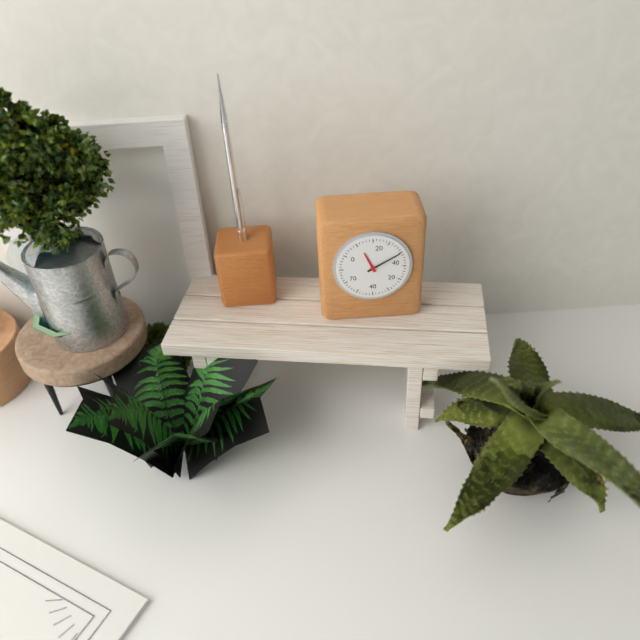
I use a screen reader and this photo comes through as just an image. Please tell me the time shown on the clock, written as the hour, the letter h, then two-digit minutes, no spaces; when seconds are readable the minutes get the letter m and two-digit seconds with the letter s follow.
11h10
